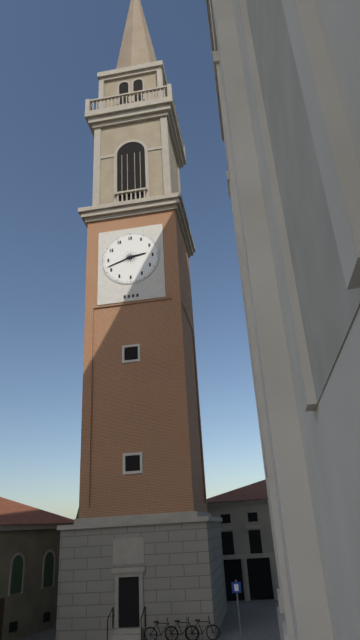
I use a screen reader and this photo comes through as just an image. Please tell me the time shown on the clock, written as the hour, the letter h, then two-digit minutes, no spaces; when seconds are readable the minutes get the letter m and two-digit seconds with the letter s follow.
2h42
